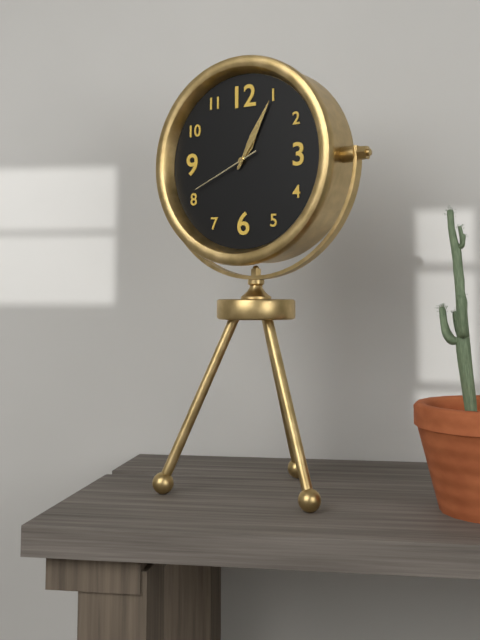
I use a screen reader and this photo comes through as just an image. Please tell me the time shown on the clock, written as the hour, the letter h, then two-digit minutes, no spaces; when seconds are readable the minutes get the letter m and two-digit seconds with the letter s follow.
1h05m41s
